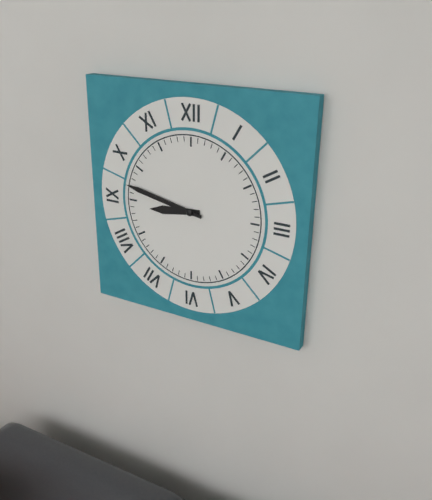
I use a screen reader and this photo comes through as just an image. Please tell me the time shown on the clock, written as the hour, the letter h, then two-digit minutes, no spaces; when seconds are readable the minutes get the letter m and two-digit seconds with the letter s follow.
8h47
